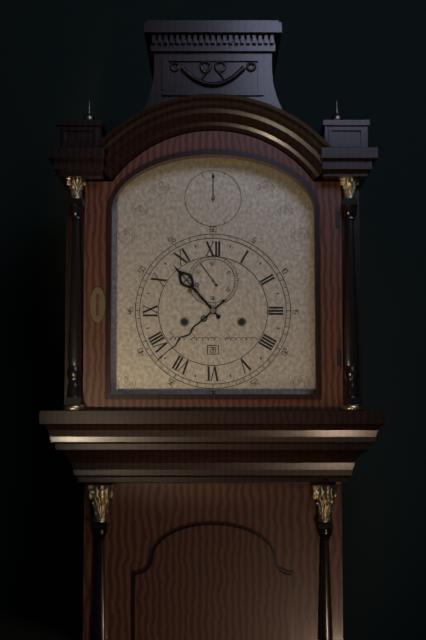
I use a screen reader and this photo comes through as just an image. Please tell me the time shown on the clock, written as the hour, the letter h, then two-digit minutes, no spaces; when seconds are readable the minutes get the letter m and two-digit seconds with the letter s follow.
10h38
